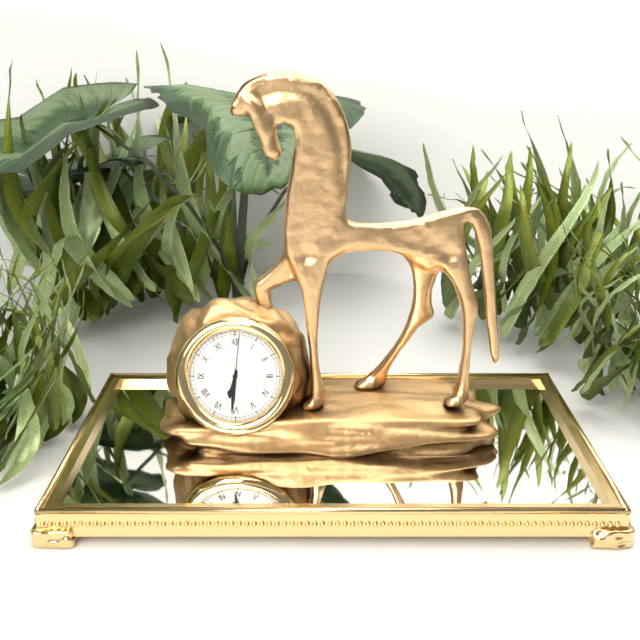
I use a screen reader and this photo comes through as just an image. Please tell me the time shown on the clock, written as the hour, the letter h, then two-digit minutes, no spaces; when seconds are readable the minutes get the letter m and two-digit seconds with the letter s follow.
6h31m01s
